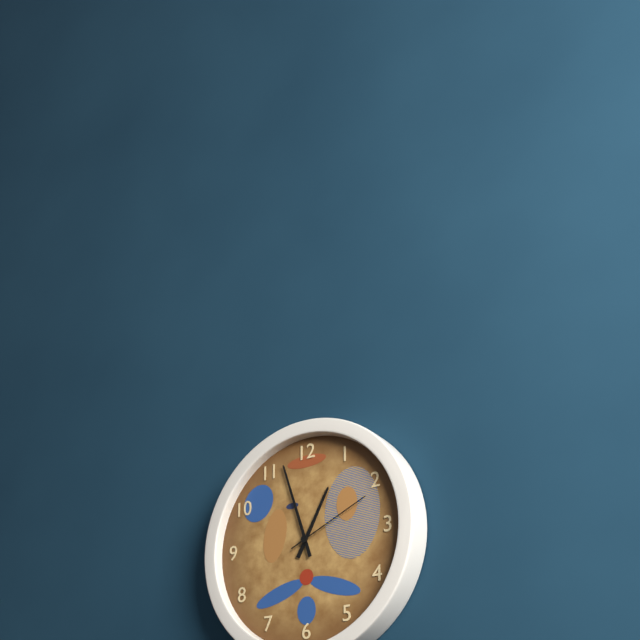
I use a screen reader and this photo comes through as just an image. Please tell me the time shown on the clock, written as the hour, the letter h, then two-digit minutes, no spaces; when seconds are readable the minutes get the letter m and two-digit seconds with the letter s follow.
12h57m11s
